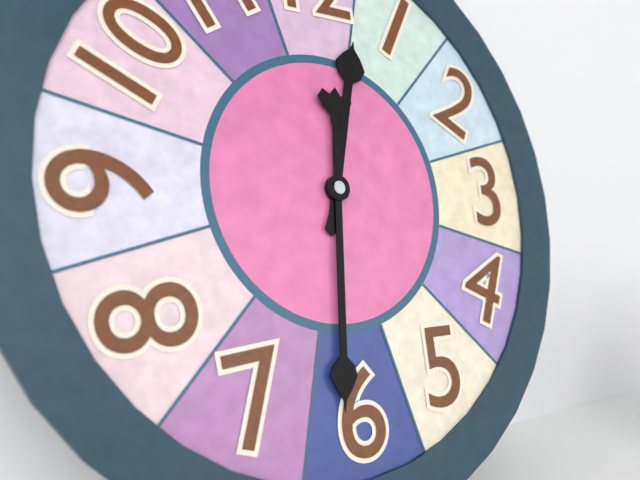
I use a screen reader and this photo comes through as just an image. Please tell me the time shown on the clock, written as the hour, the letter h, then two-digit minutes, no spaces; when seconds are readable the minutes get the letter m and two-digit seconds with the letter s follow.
12h31
